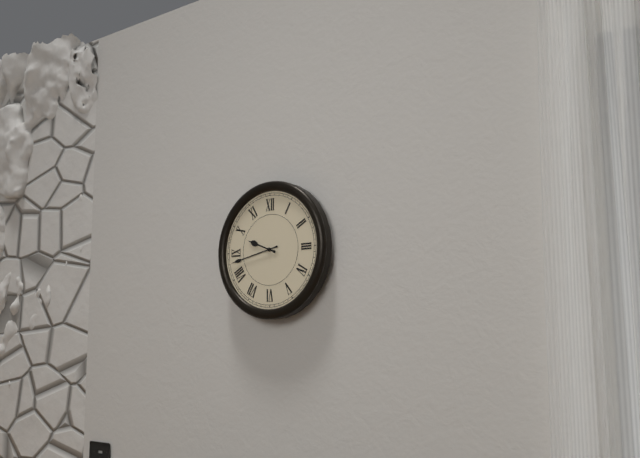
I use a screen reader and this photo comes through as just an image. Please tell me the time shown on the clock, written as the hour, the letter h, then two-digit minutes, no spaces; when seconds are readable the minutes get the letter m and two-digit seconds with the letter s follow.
9h43
